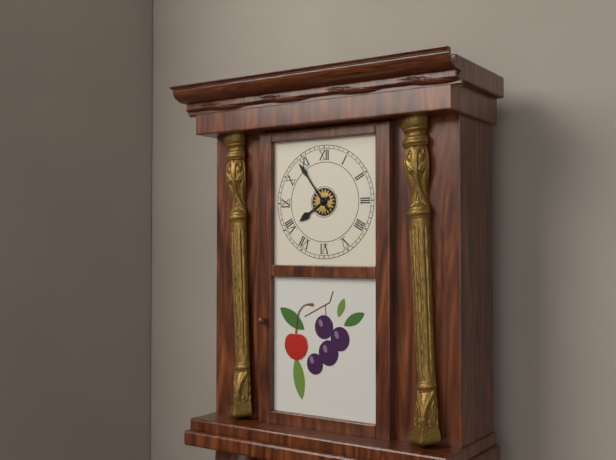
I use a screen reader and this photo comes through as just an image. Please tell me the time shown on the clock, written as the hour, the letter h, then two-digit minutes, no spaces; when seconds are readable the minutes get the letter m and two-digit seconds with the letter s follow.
7h54
